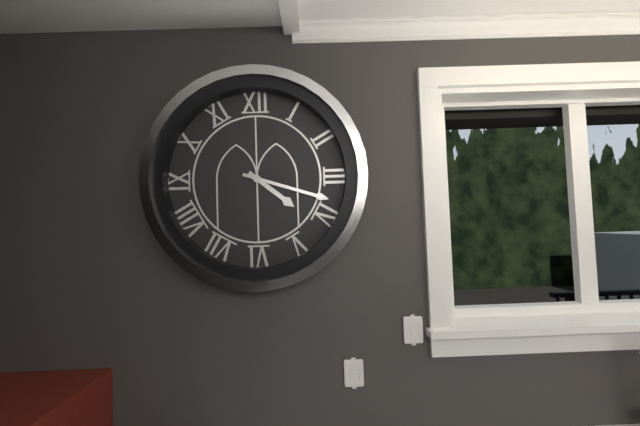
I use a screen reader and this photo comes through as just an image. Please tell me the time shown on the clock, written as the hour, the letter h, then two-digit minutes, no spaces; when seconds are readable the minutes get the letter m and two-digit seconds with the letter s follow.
4h18
